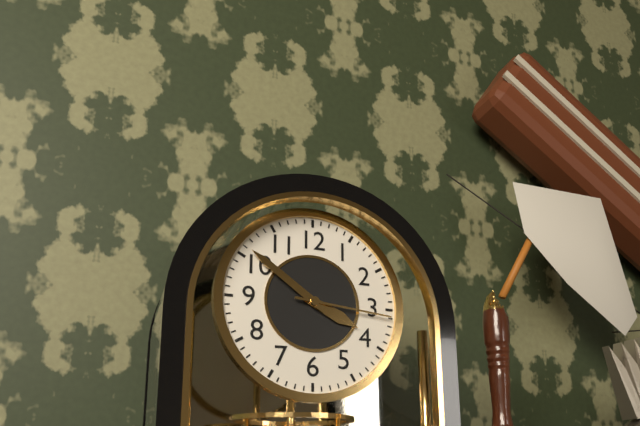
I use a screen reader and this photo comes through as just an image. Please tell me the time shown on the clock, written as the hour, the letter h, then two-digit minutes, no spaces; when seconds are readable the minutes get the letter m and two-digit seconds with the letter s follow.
3h51m16s
